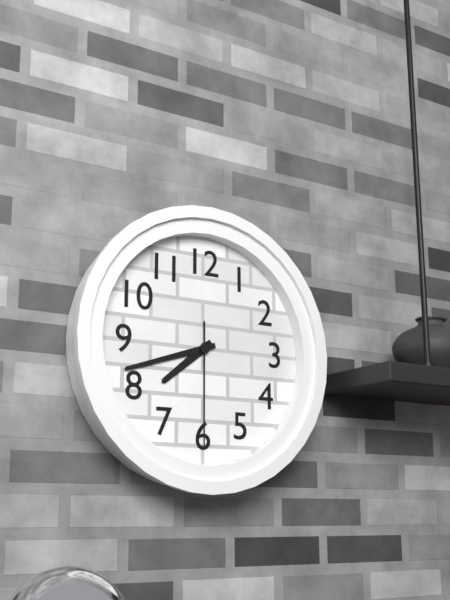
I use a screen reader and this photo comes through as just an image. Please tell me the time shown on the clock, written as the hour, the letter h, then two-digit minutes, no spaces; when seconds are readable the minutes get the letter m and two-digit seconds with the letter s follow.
7h42m30s
